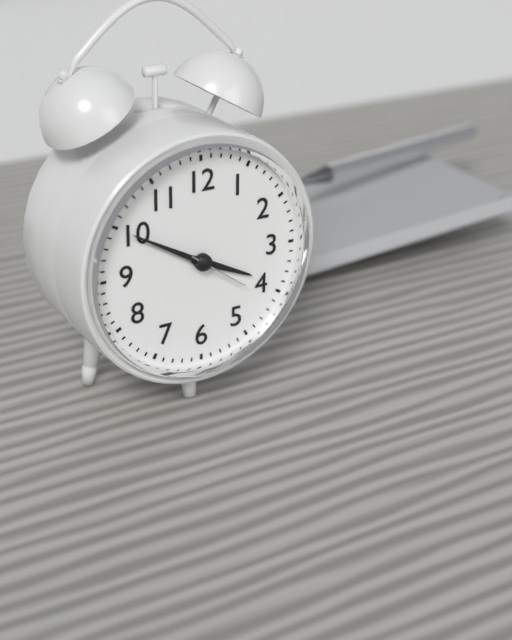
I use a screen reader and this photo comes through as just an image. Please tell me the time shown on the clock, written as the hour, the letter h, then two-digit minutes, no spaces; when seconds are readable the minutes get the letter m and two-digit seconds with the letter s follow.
3h50m21s
